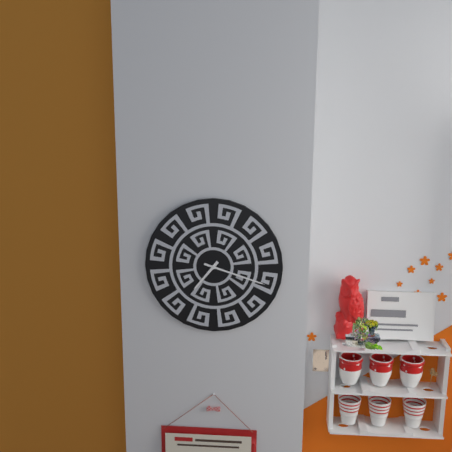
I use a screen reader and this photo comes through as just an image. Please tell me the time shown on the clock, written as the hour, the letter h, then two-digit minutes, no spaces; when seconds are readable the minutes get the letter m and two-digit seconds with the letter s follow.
7h18
